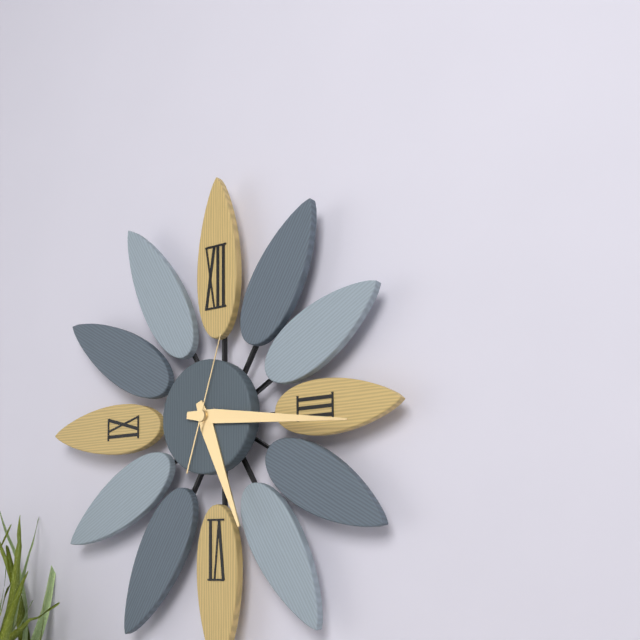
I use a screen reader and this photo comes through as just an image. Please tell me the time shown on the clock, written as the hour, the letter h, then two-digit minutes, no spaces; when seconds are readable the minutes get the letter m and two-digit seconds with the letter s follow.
5h16m03s
